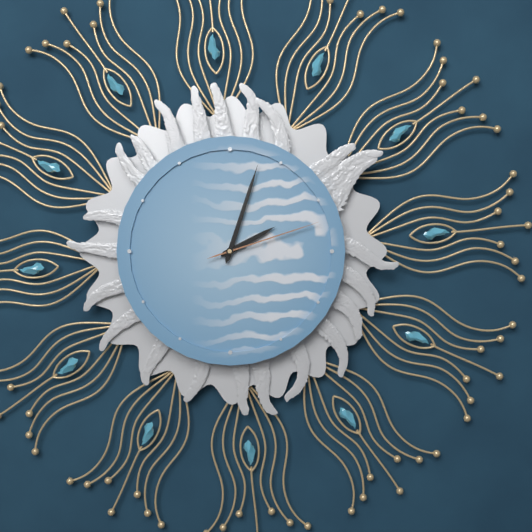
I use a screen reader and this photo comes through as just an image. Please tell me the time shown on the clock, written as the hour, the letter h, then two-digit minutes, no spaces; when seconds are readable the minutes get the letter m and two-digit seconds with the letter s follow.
2h03m12s
